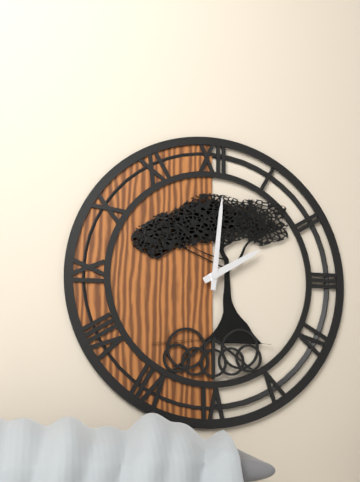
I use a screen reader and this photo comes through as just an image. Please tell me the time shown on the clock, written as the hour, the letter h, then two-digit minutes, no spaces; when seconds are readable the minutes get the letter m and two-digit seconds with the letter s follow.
2h01
